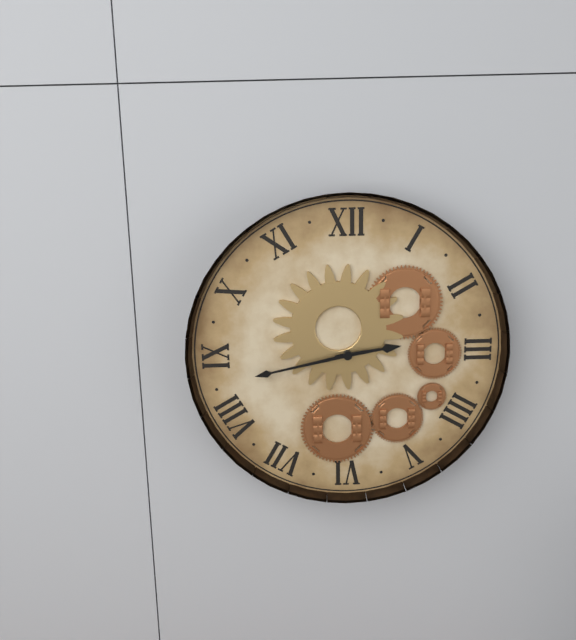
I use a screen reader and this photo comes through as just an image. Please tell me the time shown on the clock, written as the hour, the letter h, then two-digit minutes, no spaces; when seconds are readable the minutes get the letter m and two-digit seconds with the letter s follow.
2h43
